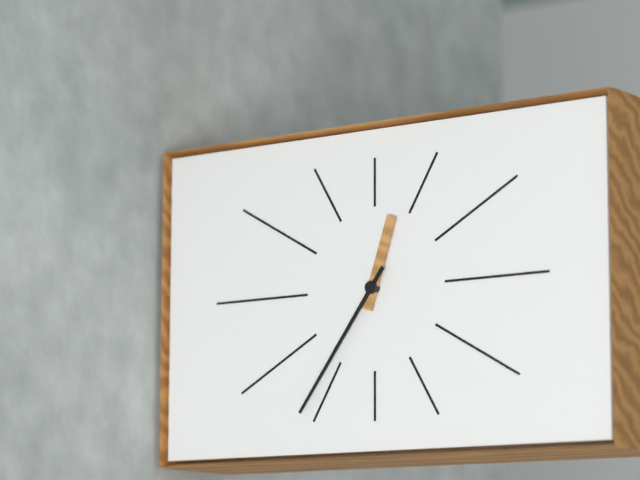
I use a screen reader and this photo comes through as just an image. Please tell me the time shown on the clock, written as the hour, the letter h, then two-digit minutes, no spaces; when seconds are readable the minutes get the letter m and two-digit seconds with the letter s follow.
12h36
